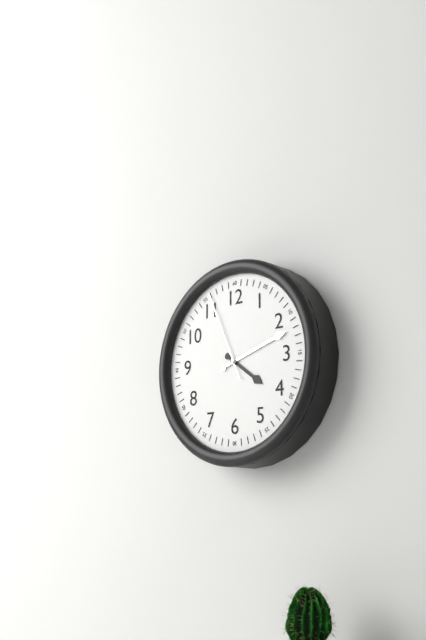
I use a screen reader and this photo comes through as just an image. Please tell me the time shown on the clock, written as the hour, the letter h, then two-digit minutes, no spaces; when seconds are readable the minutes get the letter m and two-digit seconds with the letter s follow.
4h12m56s
